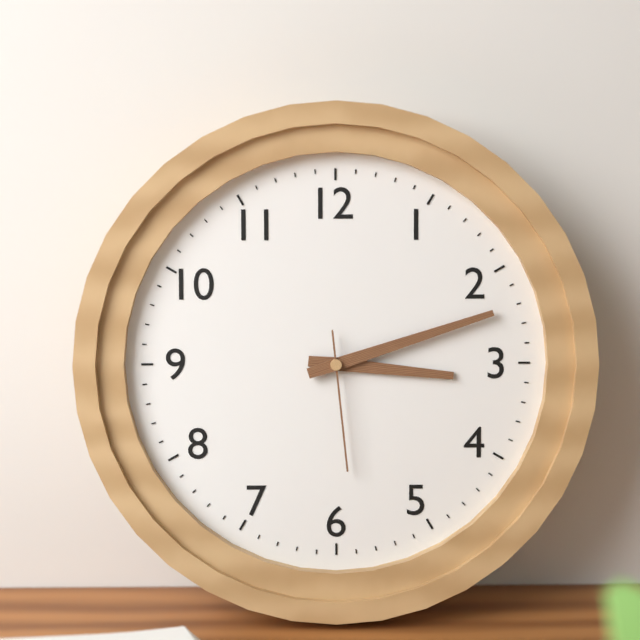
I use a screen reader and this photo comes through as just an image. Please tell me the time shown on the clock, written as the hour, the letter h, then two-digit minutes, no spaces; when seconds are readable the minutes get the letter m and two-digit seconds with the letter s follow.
3h12m29s
